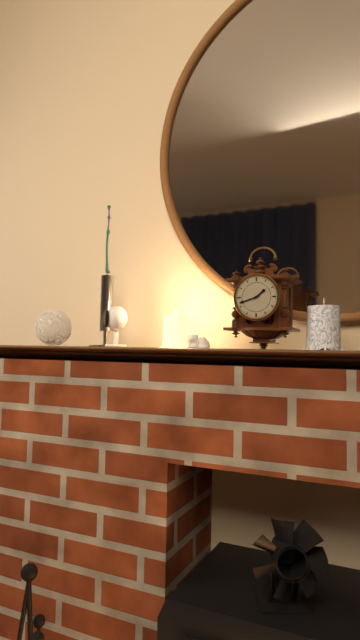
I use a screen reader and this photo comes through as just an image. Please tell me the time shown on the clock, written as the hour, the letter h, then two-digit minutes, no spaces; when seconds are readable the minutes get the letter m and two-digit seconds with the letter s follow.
1h42
